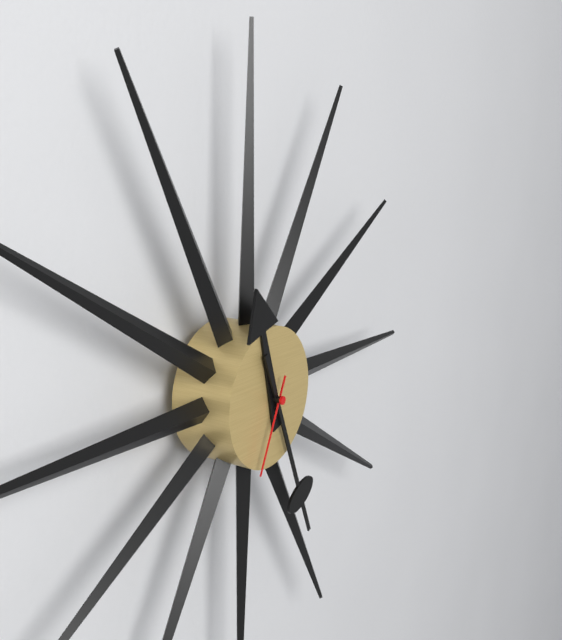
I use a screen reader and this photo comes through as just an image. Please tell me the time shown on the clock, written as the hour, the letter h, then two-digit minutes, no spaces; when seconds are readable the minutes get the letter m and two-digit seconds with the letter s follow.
11h26m34s
